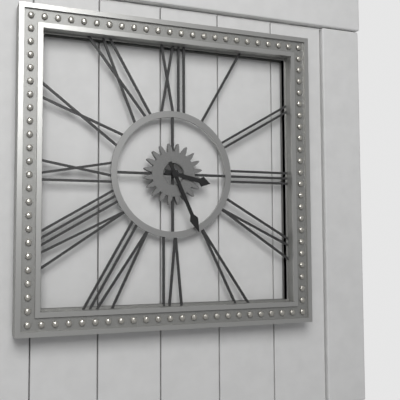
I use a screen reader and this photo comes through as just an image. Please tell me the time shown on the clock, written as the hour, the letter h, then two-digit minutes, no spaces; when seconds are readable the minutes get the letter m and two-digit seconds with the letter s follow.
3h26
